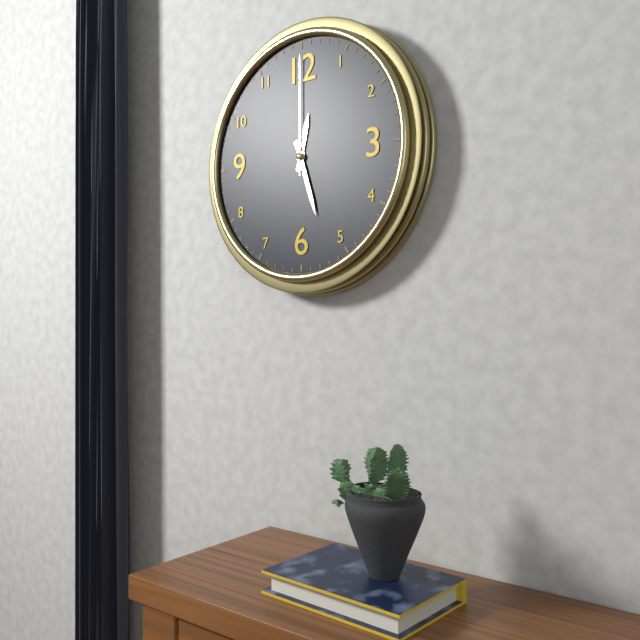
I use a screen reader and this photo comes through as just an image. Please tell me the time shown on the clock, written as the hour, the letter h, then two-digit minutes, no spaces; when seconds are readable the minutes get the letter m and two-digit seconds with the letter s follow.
12h27m00s
